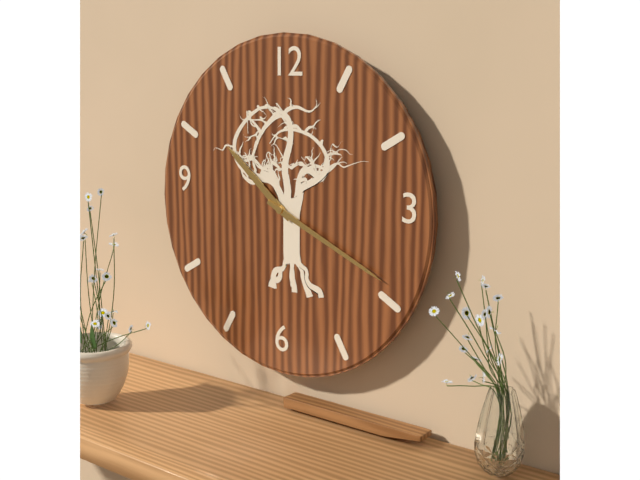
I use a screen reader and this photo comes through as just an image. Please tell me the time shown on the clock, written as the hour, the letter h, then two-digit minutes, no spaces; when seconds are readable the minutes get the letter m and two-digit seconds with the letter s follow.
10h19
